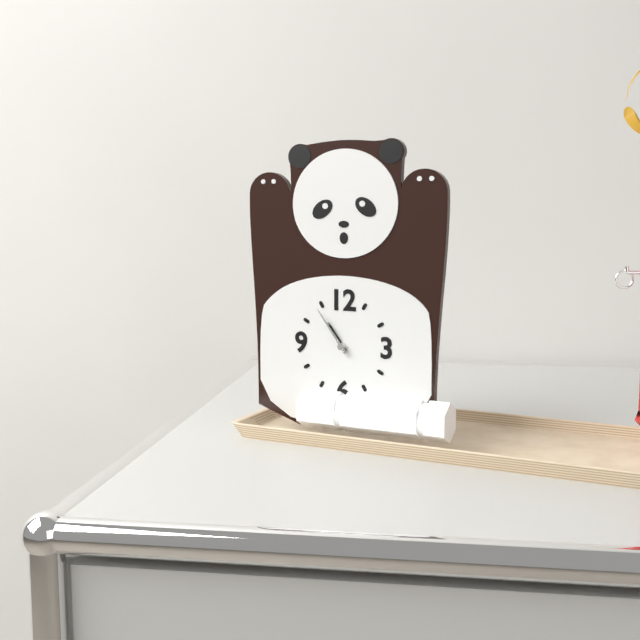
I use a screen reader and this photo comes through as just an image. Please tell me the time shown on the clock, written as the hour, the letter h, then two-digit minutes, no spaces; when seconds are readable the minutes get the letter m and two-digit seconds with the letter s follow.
10h54
